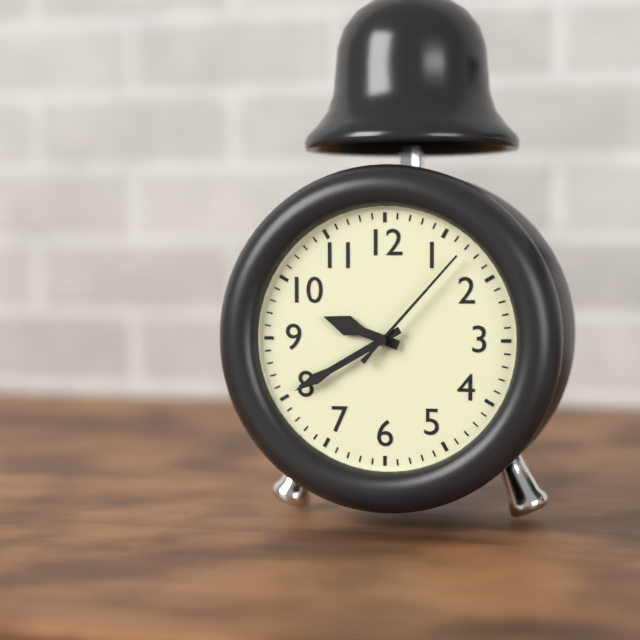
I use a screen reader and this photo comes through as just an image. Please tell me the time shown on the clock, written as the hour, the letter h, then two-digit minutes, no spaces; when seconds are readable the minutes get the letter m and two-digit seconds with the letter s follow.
9h40m07s
